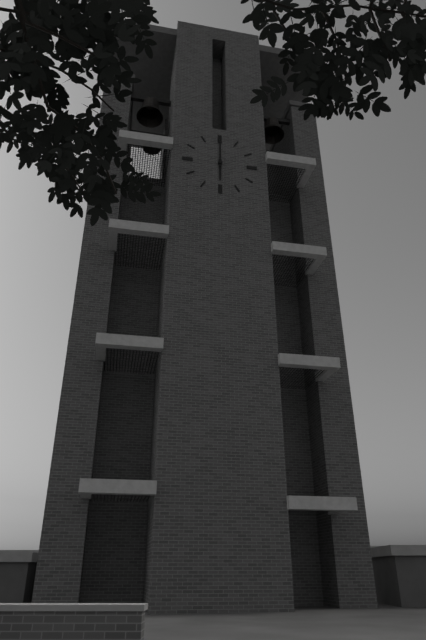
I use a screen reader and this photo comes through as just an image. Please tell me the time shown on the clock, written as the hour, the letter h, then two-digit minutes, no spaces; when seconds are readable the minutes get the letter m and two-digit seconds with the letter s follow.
6h00
